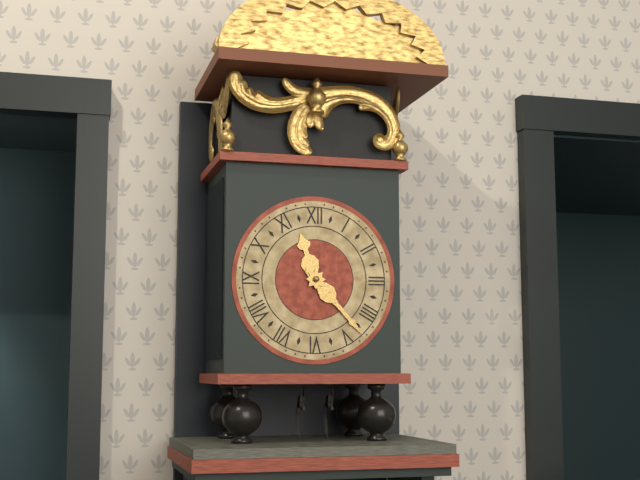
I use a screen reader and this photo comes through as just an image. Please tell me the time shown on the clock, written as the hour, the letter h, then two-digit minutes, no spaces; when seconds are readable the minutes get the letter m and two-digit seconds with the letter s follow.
11h23
